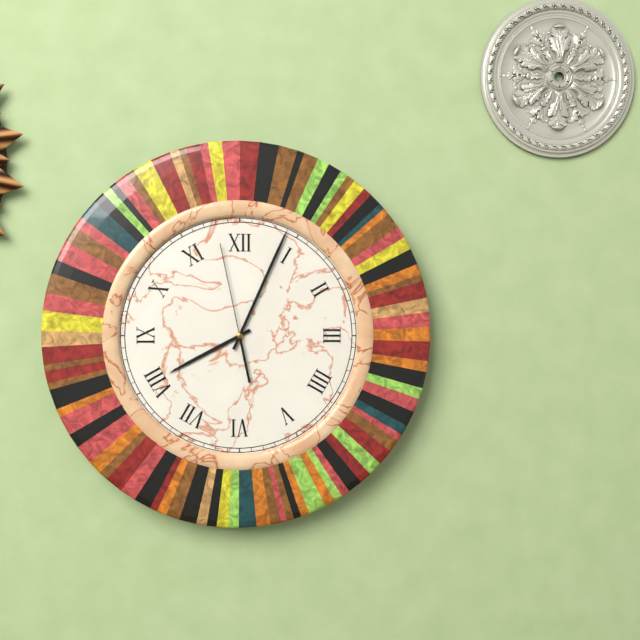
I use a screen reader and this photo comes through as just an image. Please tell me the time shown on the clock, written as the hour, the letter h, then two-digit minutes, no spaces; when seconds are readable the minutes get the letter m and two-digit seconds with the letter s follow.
8h04m58s
